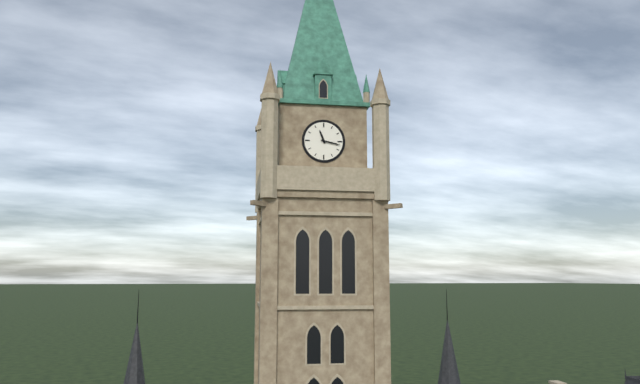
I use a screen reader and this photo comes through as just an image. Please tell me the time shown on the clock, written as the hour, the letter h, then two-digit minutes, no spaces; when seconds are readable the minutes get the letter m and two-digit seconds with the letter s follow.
11h17
